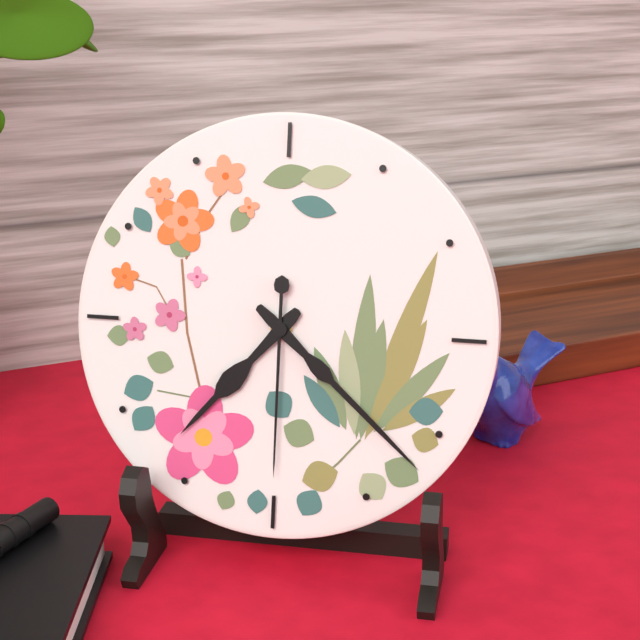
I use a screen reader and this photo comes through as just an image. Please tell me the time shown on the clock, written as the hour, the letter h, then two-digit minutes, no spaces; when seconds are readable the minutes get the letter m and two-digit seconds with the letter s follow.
7h22m30s
